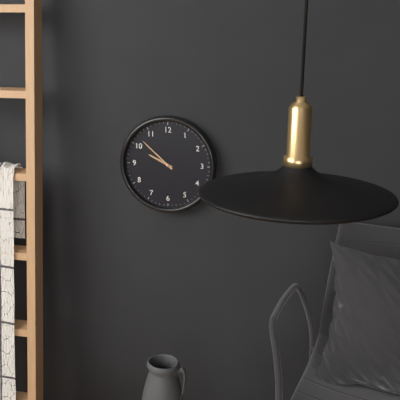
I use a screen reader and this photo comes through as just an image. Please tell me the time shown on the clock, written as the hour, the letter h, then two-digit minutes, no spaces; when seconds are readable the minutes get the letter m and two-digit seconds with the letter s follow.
9h52
